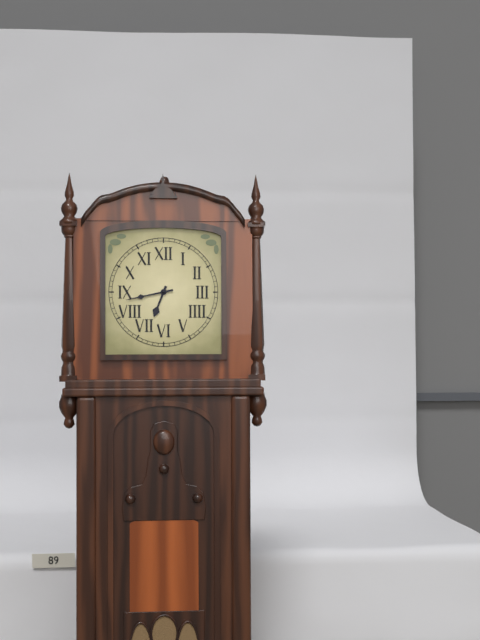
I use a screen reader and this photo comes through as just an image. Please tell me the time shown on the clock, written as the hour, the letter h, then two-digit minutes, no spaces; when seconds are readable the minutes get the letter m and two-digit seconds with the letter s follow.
6h43
